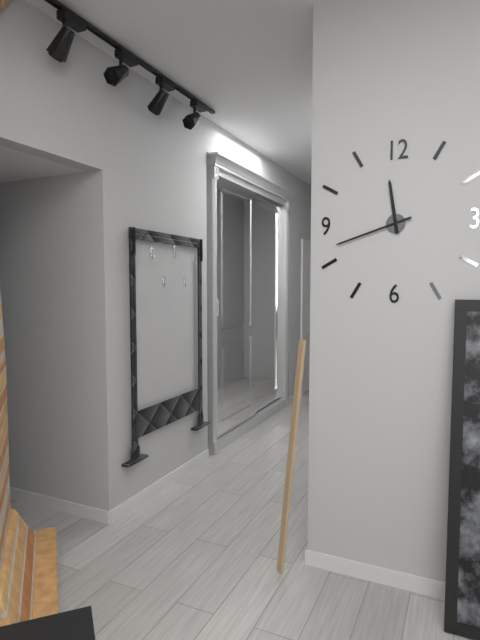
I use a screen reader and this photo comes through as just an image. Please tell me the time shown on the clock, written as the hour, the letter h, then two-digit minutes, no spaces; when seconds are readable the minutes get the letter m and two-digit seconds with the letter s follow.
11h42
